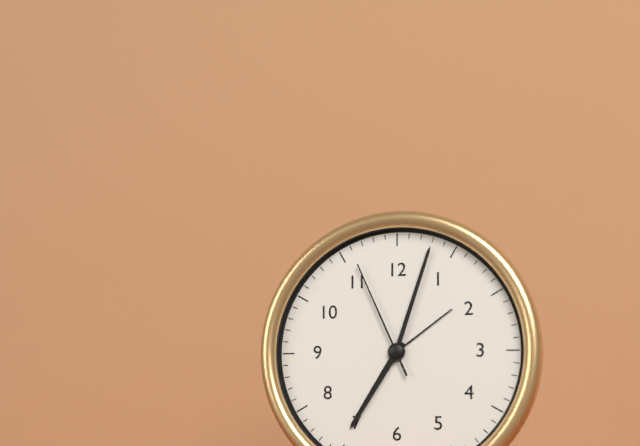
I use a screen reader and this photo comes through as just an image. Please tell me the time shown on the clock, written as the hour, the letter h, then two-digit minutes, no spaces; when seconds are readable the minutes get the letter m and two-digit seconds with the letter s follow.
7h03m56s
